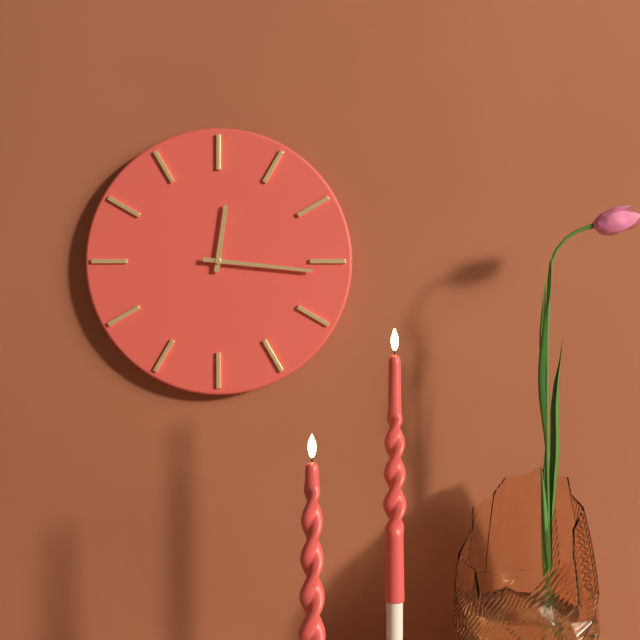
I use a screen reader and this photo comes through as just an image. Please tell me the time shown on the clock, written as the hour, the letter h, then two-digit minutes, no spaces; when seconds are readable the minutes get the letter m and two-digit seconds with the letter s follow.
12h16
